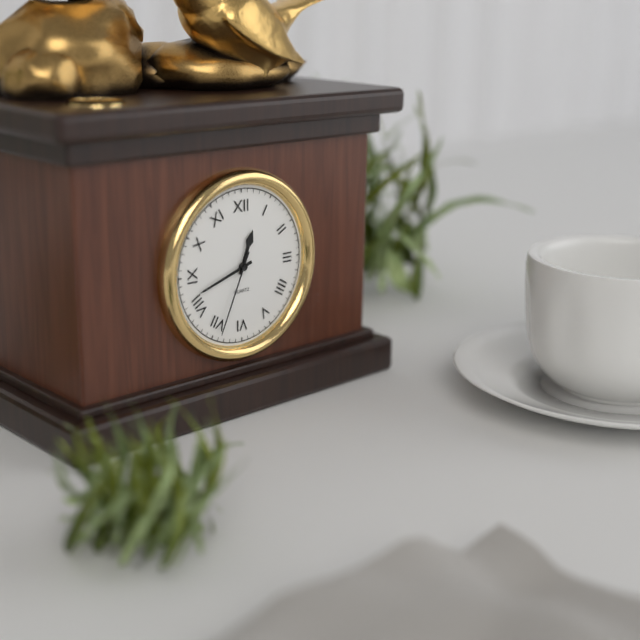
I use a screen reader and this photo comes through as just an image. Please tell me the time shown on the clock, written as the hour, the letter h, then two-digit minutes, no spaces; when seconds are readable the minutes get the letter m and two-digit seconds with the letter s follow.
12h42m34s
